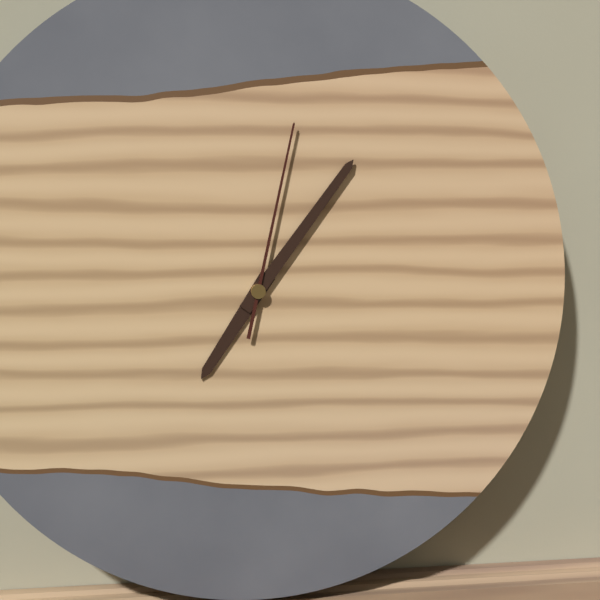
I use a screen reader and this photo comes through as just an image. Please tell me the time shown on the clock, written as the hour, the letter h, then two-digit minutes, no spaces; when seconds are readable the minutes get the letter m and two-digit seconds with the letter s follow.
7h06m02s
